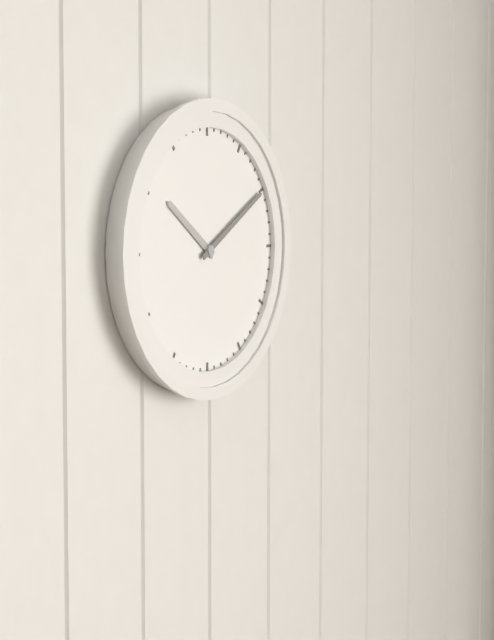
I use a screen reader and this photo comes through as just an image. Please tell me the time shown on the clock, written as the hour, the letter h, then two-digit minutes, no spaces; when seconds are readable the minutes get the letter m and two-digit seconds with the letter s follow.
10h10
